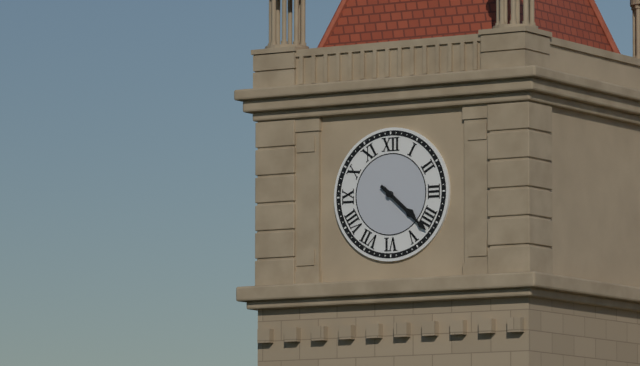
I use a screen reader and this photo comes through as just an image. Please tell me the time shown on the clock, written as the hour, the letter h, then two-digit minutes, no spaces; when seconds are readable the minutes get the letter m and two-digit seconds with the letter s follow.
4h22
